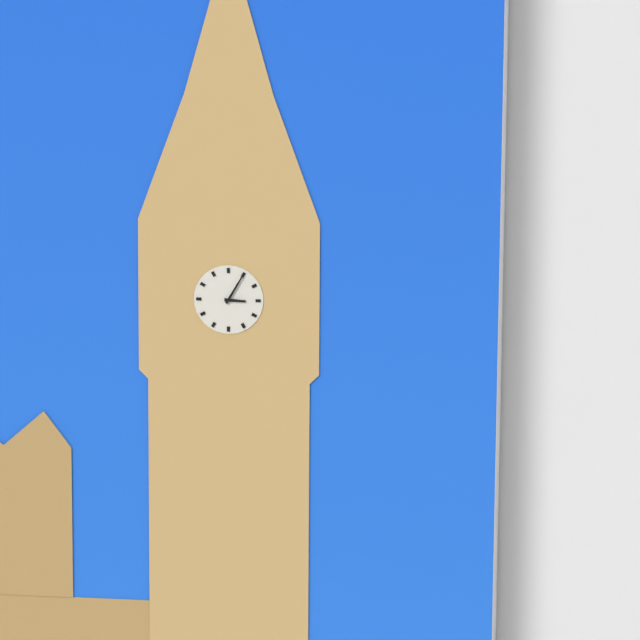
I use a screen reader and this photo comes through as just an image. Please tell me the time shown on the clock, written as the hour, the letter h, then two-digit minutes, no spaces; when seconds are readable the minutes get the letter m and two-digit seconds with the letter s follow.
3h05
